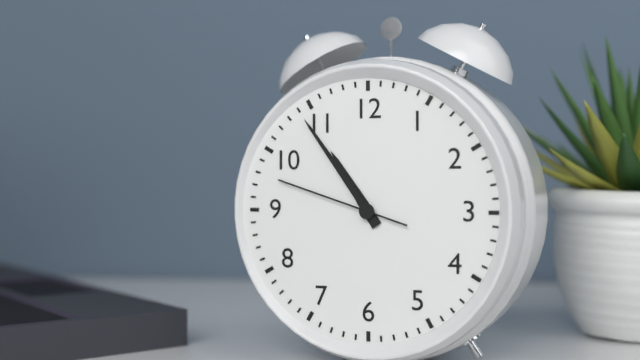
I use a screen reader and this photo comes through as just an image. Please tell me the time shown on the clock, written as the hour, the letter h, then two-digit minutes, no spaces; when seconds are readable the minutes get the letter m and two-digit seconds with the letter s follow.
10h54m48s
